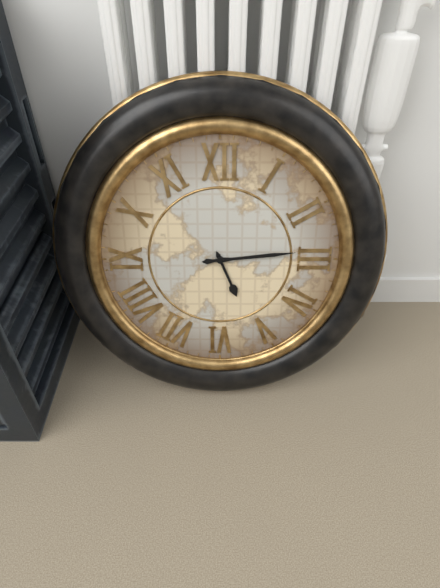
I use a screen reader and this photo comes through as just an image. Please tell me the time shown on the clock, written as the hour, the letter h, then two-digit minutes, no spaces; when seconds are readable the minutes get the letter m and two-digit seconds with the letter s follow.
5h14
